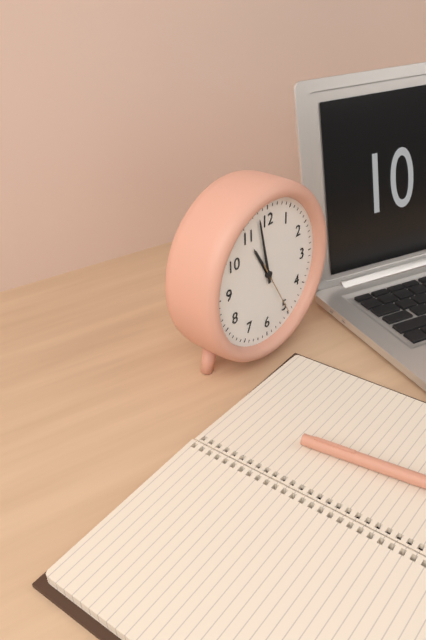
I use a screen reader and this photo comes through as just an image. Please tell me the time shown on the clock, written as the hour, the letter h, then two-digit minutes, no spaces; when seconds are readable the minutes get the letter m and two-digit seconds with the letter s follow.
10h58m25s
